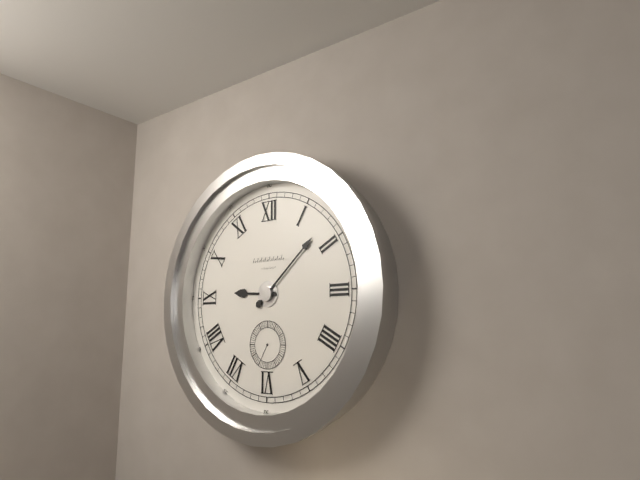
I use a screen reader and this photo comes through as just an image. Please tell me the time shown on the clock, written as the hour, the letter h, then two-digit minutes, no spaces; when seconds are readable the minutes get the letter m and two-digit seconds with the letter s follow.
9h08
